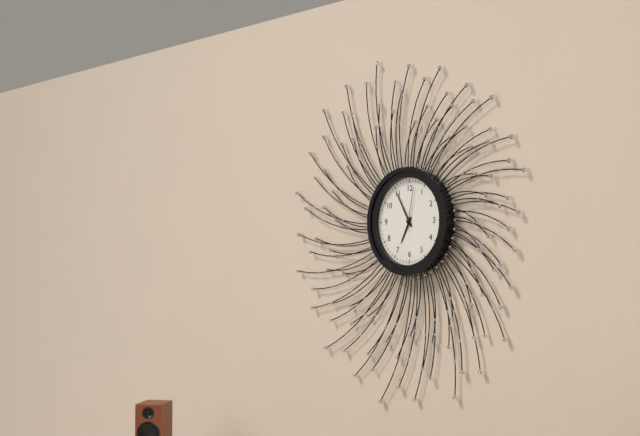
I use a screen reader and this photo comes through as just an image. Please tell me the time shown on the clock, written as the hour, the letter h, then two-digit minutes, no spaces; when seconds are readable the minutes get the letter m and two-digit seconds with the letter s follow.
6h55
